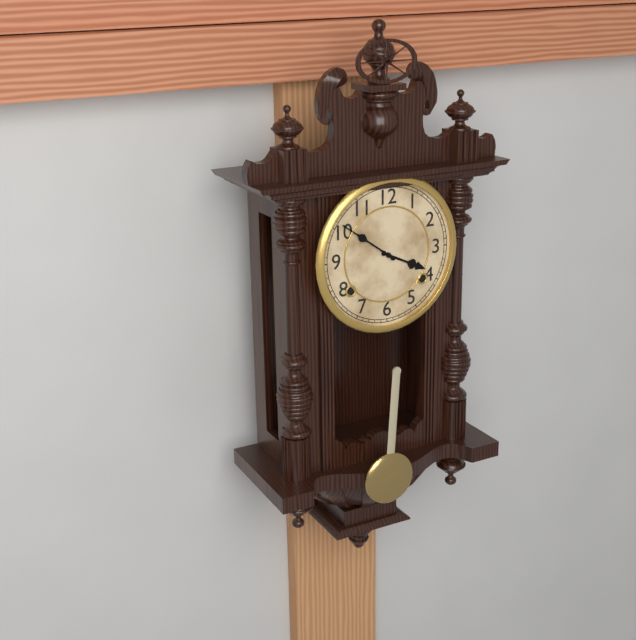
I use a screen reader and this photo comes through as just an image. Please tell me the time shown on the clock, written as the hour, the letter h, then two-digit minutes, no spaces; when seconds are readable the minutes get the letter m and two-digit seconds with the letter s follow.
3h51
